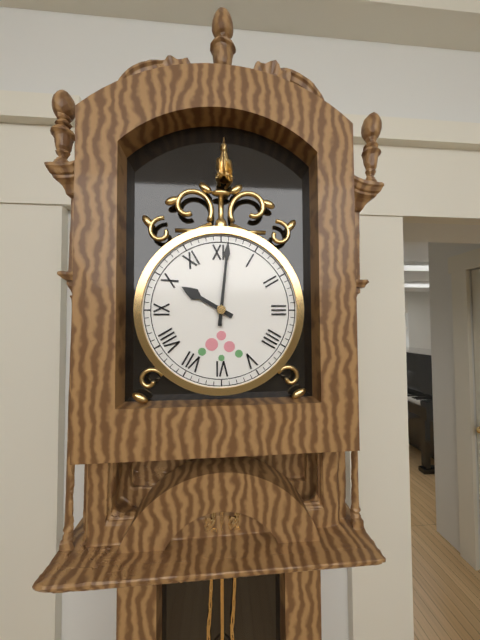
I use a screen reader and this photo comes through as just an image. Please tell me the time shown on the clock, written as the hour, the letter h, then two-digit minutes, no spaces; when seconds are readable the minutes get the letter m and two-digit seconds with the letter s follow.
10h01
